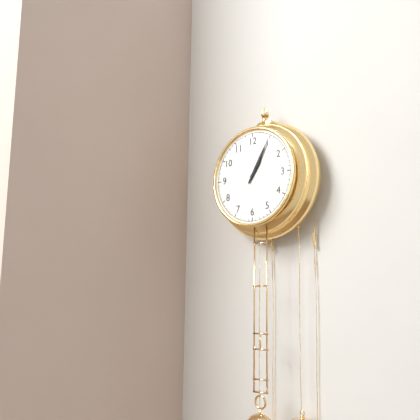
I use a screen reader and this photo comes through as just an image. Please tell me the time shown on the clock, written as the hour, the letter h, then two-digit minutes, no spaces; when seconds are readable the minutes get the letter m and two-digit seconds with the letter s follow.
1h05
